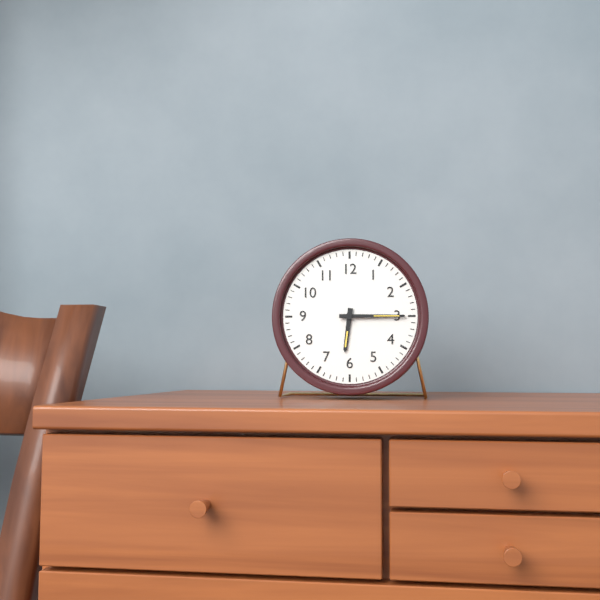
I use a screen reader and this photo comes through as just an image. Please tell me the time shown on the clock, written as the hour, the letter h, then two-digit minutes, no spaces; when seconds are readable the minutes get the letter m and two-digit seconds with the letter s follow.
6h15
